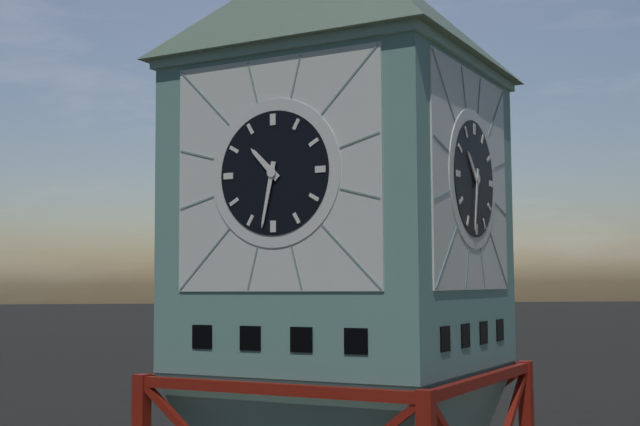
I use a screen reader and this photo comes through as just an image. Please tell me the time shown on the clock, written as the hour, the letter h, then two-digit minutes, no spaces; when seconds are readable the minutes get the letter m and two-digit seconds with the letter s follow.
10h32
